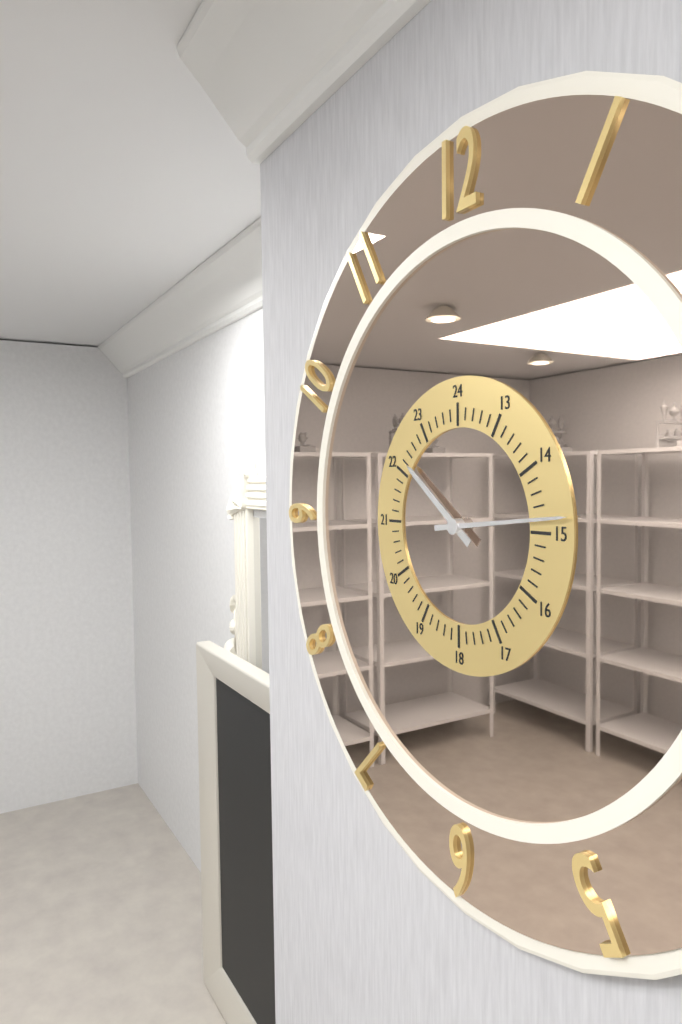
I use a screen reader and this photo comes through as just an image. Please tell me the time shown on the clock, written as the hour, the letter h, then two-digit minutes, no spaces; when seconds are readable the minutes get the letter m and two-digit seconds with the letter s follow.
10h14
